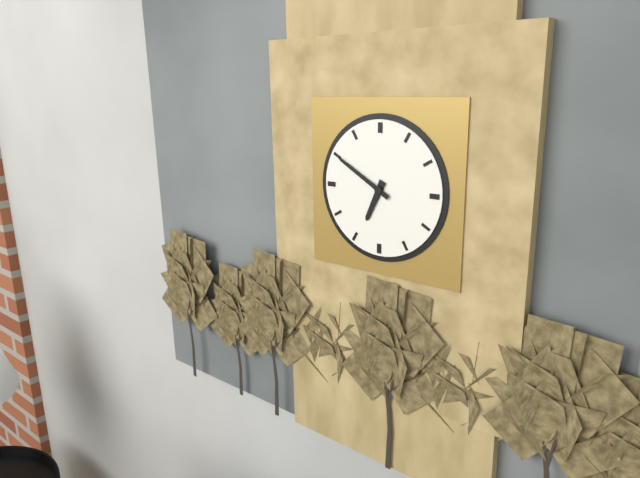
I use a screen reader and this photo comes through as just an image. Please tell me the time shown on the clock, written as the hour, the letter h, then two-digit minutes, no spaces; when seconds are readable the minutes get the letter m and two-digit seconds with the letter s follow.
6h50
